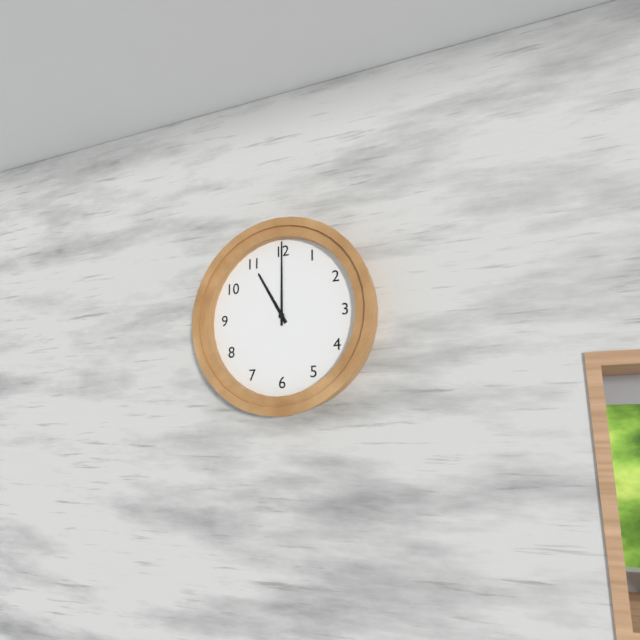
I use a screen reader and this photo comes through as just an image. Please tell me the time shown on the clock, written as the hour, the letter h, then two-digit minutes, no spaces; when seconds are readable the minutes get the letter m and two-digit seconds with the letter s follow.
11h00
